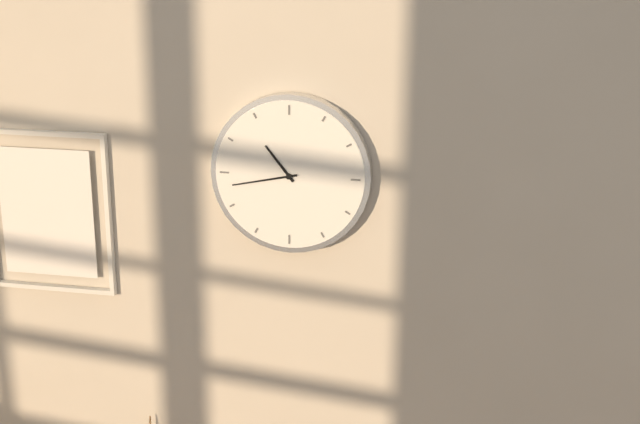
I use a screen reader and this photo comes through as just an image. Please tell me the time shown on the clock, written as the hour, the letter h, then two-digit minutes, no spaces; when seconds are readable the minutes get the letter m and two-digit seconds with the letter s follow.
10h43
